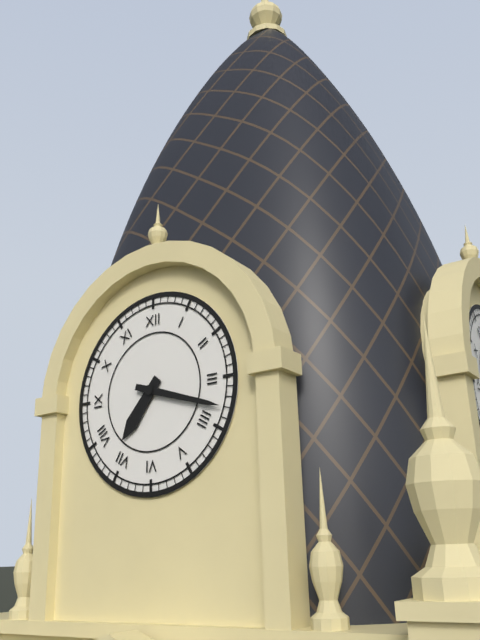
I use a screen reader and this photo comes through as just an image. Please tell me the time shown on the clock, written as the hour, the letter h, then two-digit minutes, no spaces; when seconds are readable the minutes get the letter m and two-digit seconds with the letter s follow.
7h18
